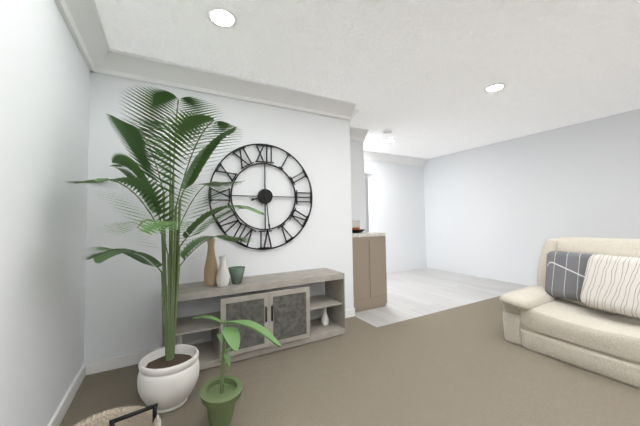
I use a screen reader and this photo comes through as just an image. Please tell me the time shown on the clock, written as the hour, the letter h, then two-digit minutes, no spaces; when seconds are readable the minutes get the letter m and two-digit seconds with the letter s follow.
8h29
